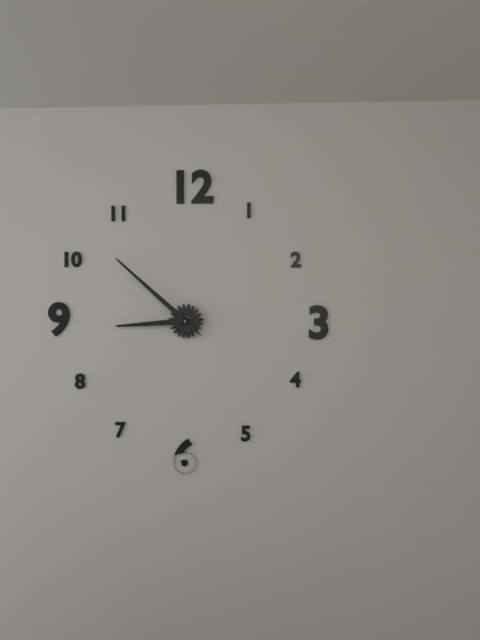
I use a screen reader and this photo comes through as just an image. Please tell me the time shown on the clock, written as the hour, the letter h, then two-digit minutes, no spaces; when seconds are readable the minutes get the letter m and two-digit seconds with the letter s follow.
8h52
